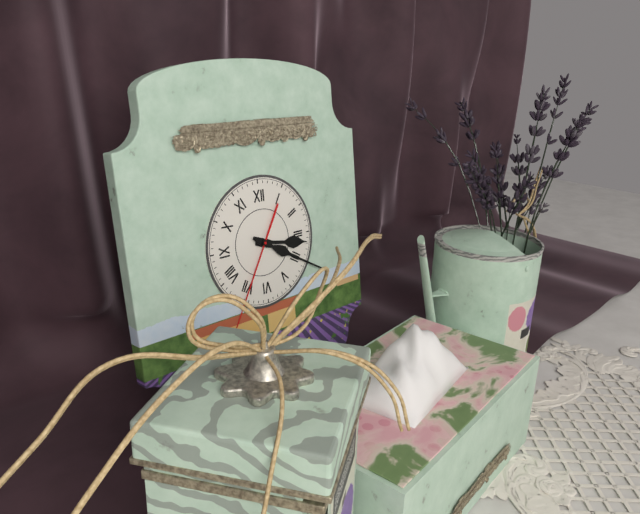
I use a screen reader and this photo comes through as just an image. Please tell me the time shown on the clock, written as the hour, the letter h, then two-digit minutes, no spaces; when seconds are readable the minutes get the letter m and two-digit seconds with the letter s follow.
3h20m35s
